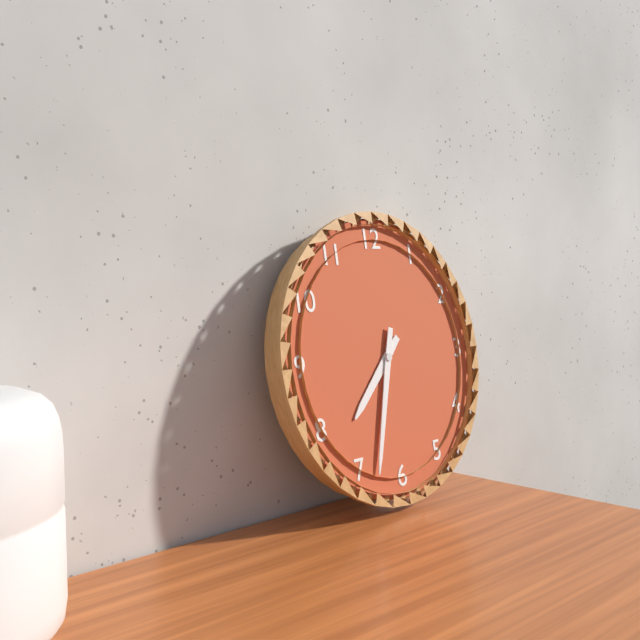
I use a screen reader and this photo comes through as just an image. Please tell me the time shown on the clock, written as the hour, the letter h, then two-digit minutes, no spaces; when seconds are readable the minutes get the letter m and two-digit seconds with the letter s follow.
7h33
